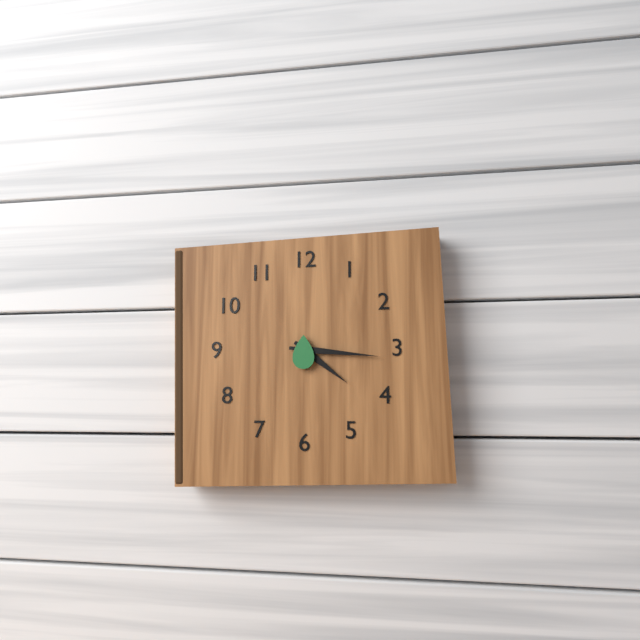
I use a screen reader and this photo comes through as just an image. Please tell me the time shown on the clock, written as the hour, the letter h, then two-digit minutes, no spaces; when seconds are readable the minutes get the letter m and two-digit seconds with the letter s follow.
4h16
